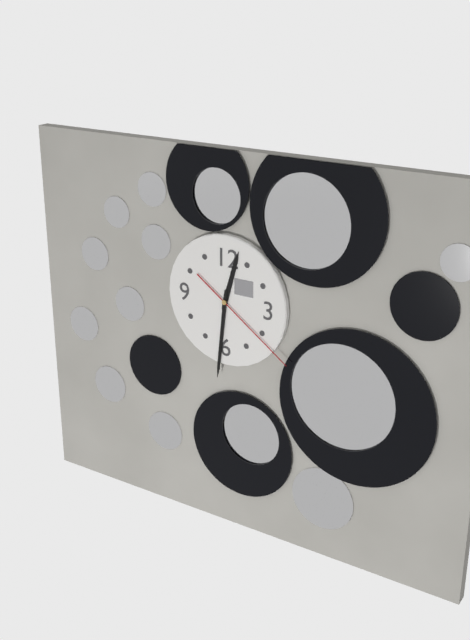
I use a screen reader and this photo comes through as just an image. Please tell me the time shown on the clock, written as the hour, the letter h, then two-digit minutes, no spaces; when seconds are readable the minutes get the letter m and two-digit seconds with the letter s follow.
12h31m21s
